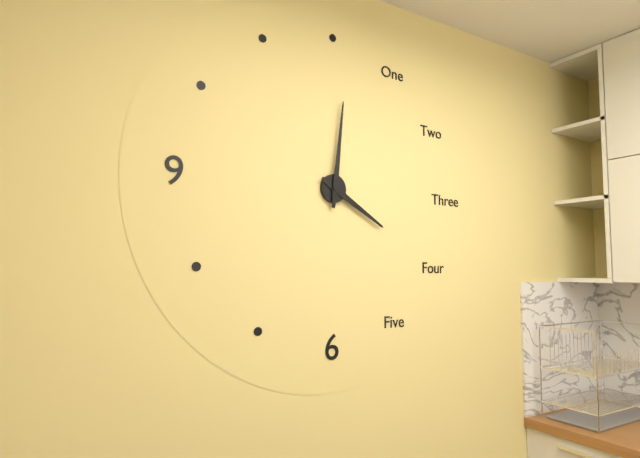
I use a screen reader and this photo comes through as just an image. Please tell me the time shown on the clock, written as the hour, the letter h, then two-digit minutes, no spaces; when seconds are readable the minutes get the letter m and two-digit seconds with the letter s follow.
4h01
